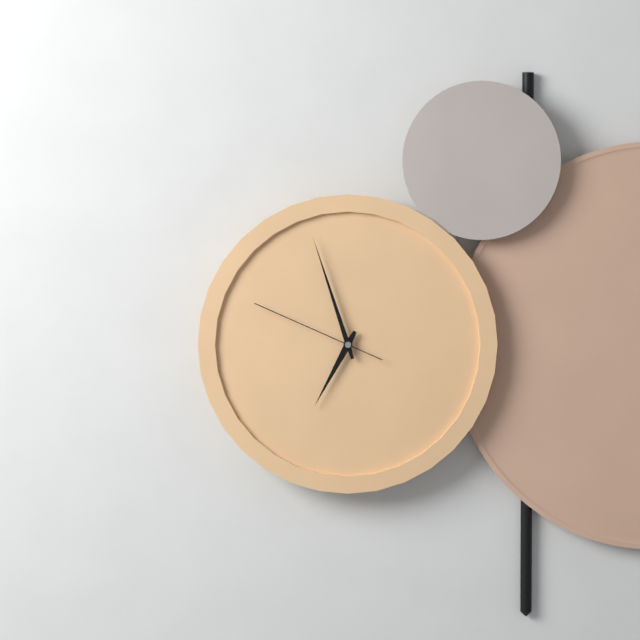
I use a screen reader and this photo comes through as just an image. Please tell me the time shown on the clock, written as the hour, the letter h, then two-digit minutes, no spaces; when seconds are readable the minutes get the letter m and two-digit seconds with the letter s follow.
6h57m49s
